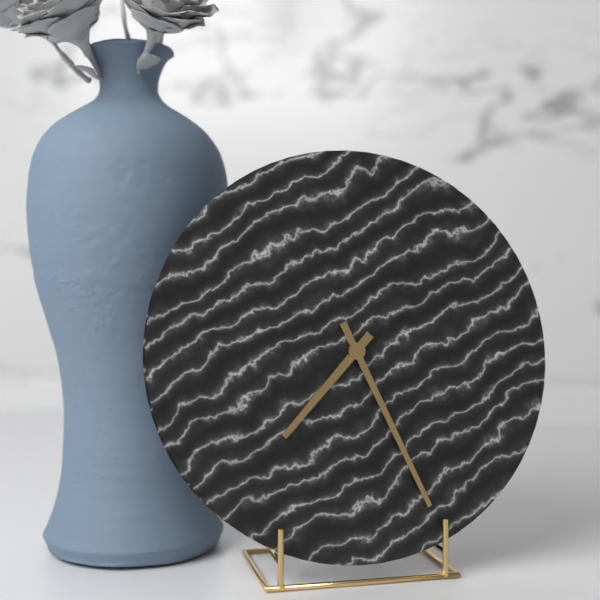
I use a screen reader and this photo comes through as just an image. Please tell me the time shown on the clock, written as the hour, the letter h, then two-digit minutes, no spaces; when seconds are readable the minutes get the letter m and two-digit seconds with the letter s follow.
7h26
